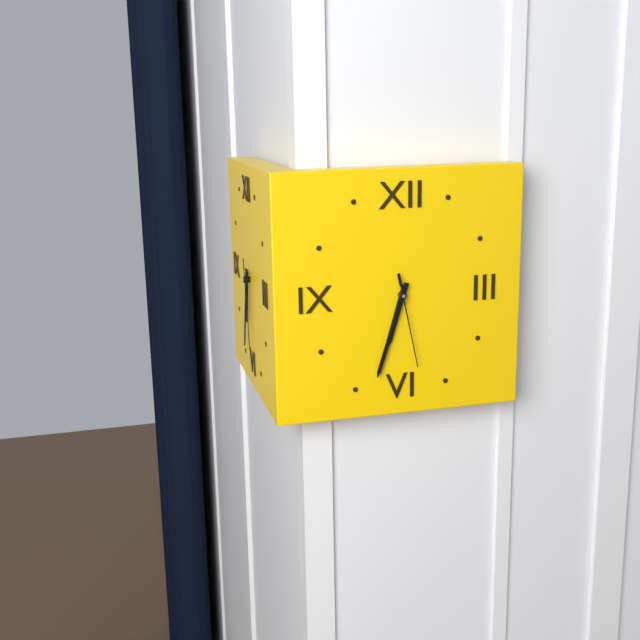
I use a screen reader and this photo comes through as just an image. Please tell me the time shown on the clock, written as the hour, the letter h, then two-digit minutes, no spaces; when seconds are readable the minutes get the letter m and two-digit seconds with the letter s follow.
6h33m28s
